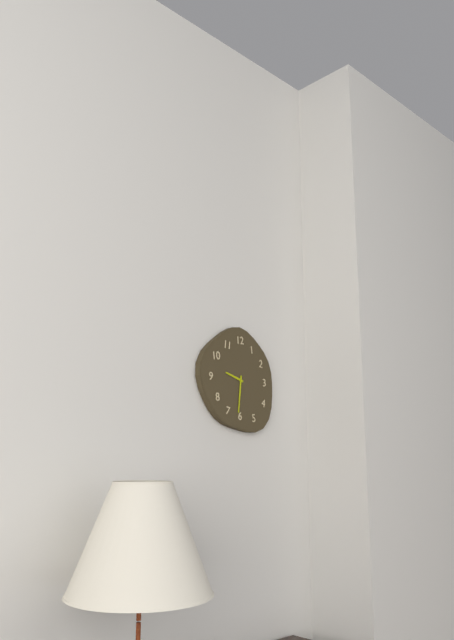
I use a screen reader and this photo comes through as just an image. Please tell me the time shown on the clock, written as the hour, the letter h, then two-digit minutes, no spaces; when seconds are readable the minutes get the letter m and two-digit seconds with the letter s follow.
9h31
